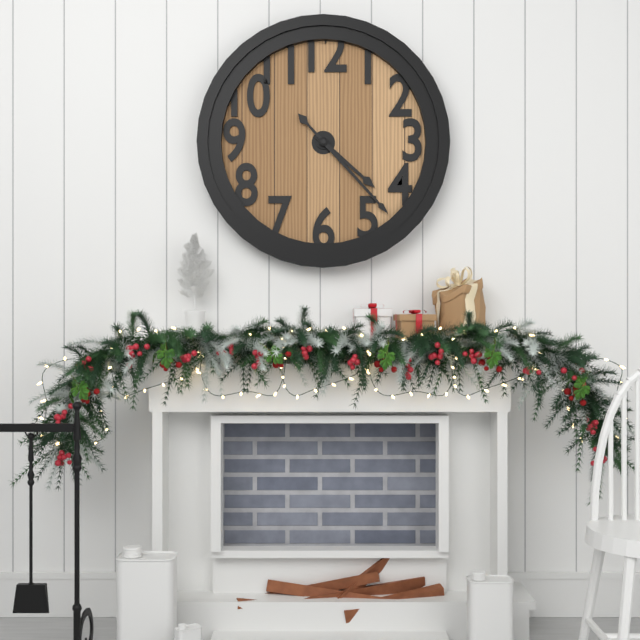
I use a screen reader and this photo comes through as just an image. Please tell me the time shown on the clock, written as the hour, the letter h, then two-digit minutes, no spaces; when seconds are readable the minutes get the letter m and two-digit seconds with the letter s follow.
4h23
